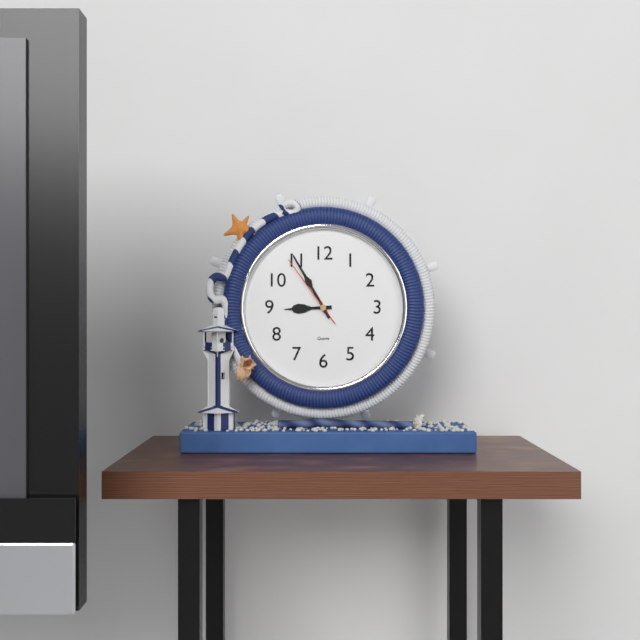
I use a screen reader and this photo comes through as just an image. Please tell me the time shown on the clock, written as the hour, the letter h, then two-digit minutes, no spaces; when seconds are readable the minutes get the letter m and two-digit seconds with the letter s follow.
8h55m54s
